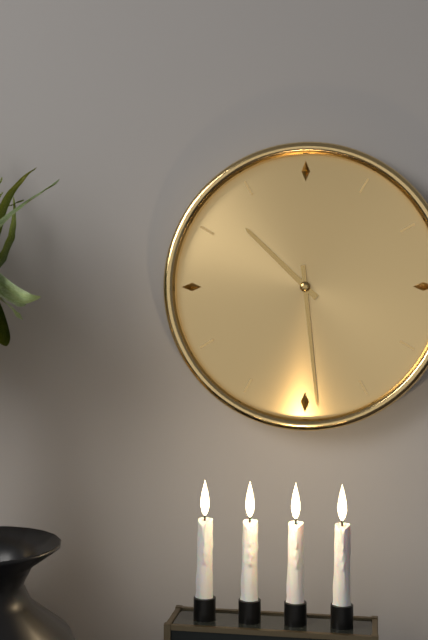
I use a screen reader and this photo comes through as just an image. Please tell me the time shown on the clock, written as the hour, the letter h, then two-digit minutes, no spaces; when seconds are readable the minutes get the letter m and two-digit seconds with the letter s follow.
10h29
